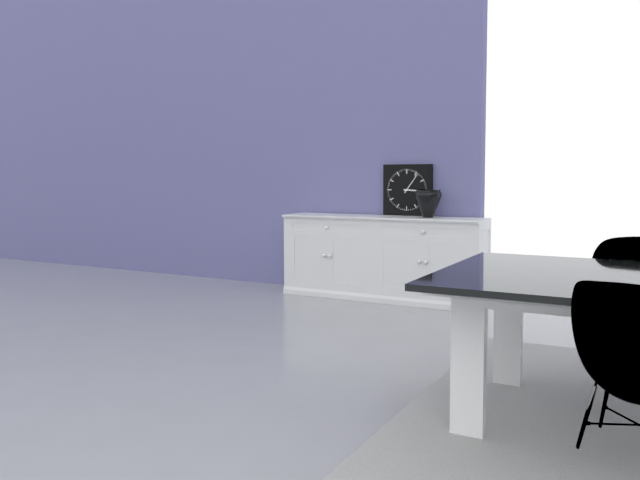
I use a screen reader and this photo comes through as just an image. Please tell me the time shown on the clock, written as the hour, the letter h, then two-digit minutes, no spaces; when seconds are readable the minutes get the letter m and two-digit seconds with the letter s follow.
3h06
